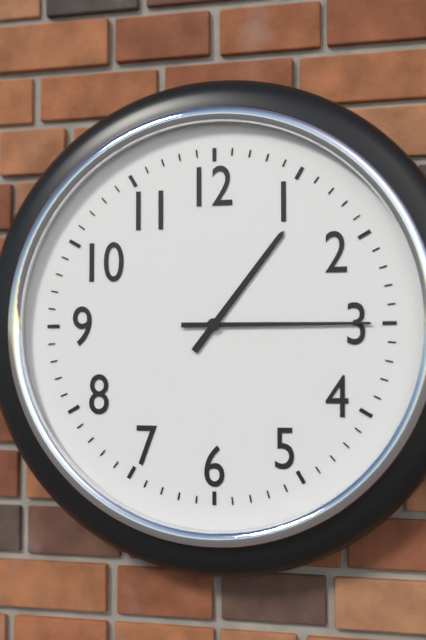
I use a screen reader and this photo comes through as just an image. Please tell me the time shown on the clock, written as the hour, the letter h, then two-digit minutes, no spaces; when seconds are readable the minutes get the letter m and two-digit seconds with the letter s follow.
1h15
